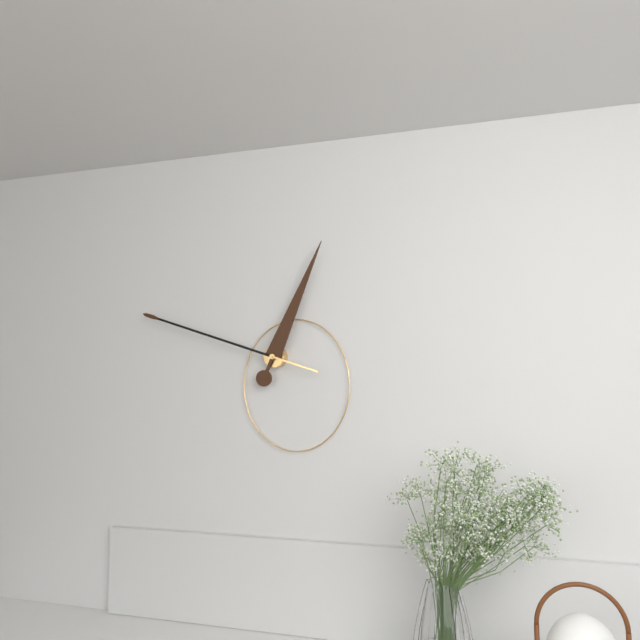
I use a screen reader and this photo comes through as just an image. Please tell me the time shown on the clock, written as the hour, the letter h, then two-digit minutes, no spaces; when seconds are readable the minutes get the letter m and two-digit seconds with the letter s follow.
12h48
